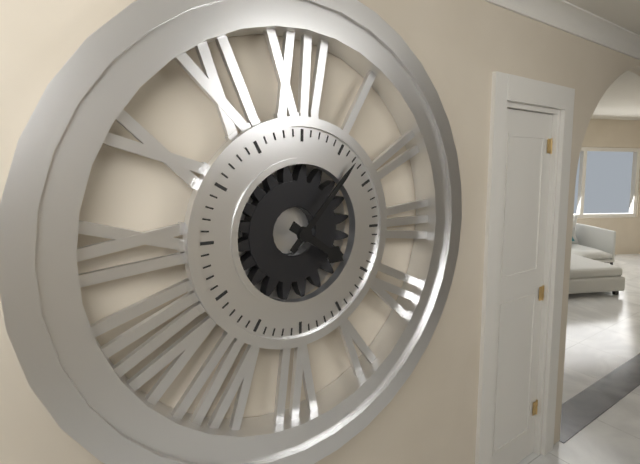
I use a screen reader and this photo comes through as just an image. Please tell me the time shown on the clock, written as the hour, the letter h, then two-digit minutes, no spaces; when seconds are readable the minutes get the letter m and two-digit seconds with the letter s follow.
4h07
